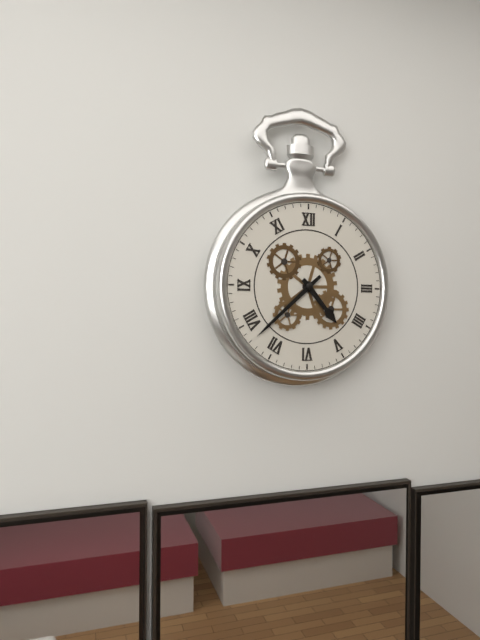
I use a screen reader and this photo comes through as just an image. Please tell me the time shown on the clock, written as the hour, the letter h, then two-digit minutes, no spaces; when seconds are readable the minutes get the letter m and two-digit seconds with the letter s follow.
4h38
